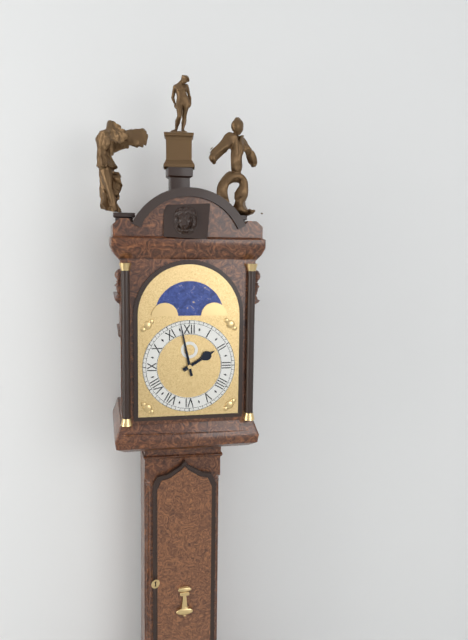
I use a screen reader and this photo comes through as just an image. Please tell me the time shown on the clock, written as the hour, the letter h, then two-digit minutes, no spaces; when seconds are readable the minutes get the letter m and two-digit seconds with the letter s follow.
1h58
